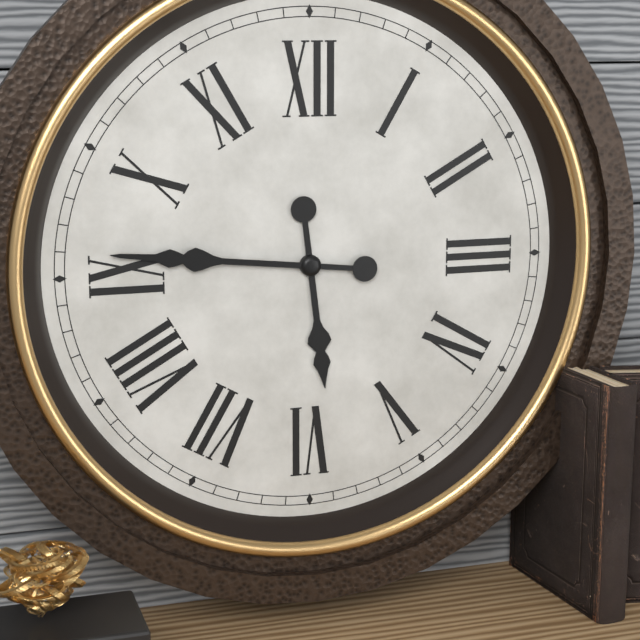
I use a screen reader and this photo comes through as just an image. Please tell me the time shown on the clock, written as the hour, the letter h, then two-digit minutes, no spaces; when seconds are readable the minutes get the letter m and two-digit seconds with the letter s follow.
5h46
